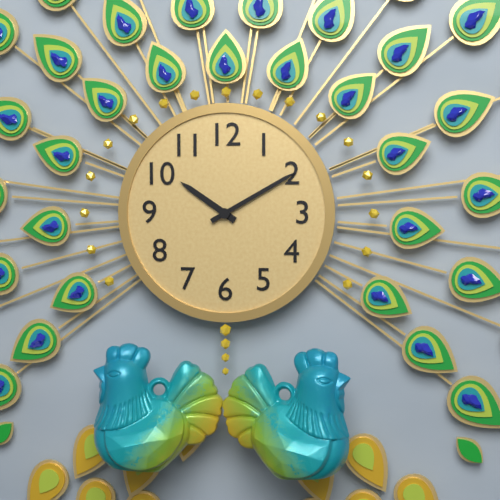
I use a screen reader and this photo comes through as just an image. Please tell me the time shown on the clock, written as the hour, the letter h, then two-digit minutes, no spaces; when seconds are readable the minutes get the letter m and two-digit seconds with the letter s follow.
10h10
